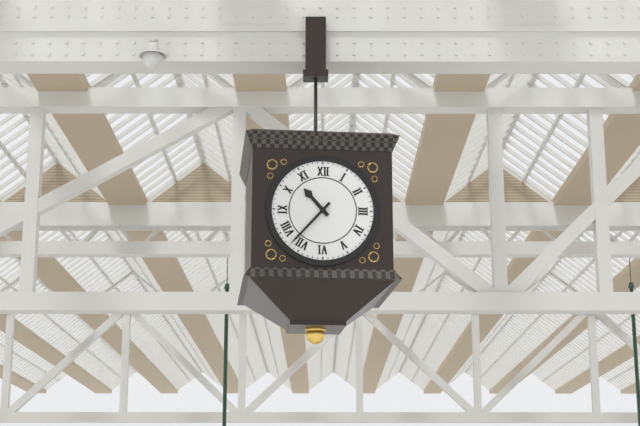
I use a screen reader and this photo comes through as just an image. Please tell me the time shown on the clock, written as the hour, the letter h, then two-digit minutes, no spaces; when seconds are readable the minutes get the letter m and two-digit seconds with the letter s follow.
10h37
